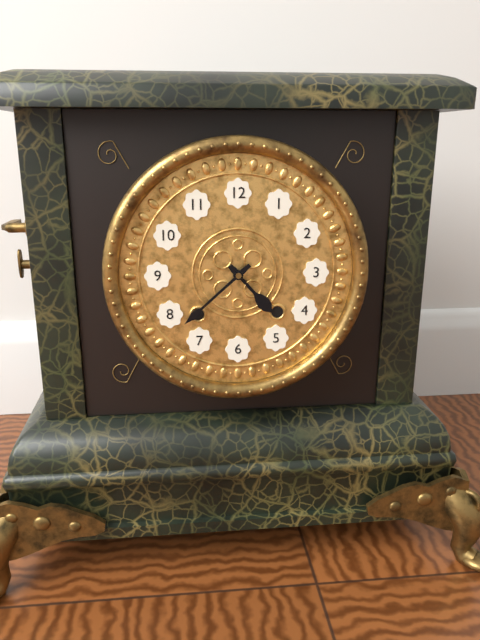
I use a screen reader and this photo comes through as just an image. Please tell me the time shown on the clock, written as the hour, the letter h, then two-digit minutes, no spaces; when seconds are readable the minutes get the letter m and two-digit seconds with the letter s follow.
4h38
